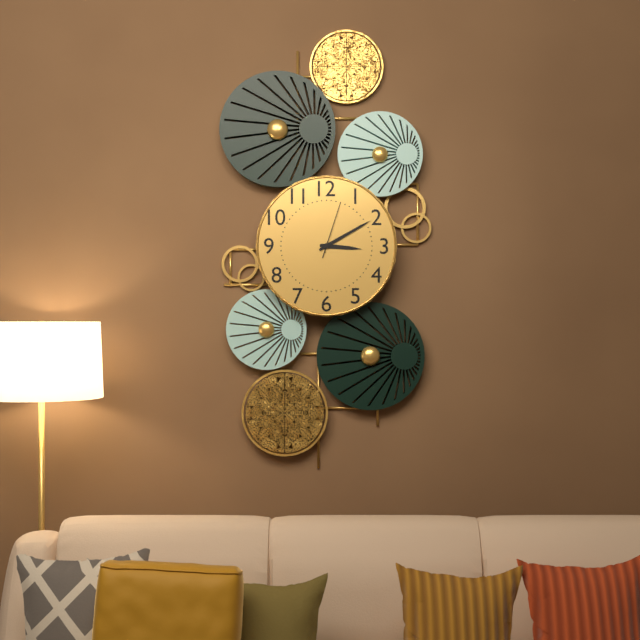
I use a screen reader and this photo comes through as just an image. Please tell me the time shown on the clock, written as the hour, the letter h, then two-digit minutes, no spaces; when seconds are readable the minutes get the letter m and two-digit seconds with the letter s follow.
3h10m03s
